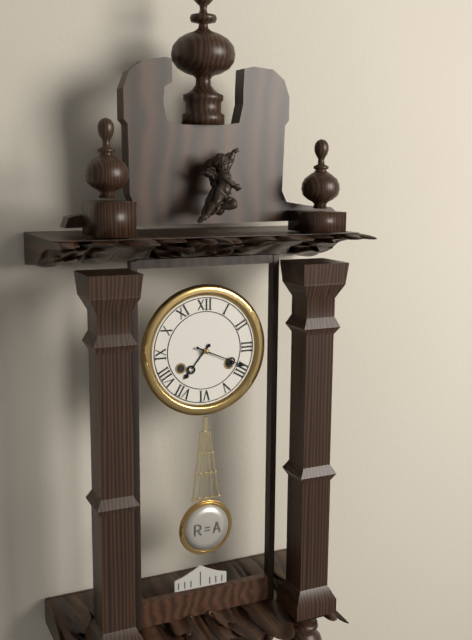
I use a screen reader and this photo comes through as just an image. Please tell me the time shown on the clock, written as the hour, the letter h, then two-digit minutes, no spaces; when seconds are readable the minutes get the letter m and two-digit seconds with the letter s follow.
7h19
